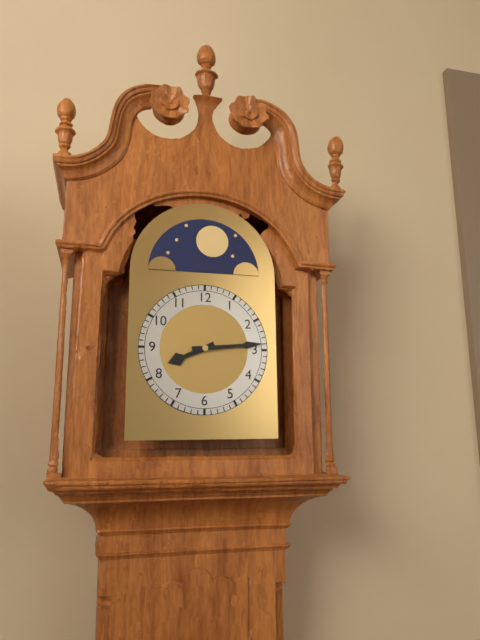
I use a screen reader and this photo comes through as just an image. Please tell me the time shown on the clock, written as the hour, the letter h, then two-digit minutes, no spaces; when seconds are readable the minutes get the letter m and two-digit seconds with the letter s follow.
8h14
